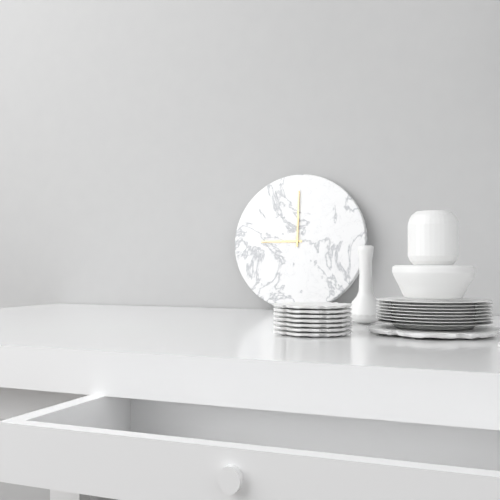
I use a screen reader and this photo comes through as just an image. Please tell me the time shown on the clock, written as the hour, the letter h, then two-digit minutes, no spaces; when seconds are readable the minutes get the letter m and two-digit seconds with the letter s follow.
9h00
